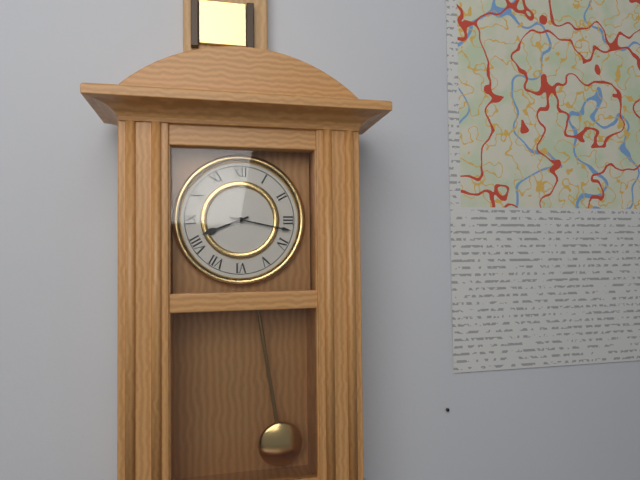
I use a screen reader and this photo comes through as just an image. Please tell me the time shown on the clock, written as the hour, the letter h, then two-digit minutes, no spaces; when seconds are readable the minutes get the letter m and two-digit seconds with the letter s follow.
8h17
